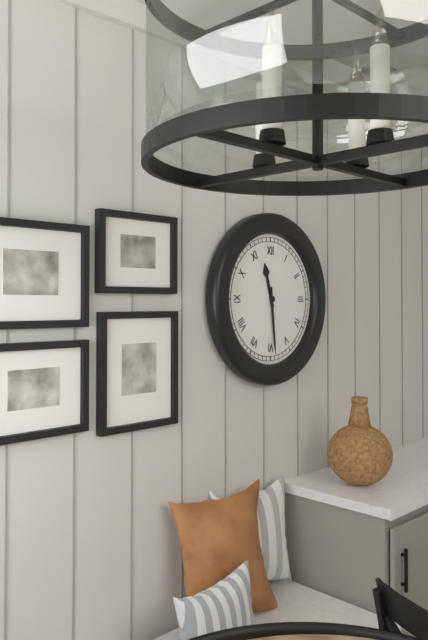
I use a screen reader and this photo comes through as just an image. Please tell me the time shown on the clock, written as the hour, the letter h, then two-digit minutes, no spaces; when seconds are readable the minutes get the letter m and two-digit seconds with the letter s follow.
11h29
